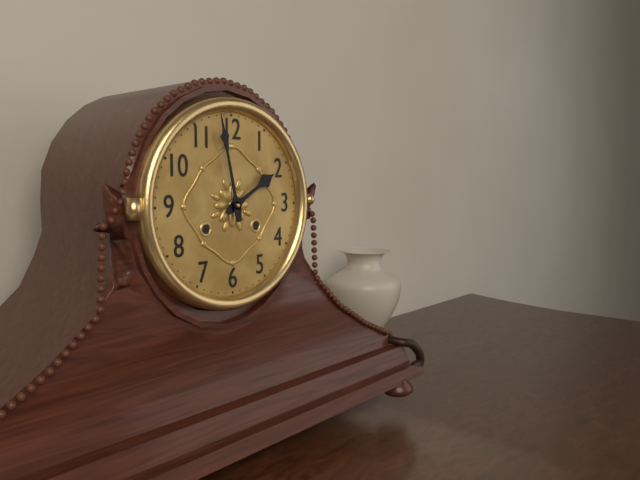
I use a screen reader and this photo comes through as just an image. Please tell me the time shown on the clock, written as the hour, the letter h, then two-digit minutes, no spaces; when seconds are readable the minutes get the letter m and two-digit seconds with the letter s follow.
1h58
